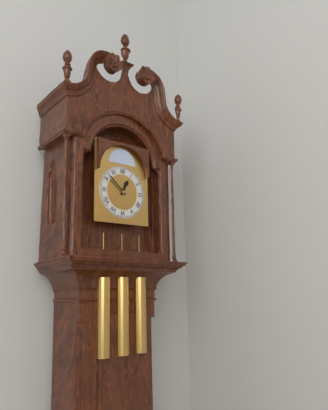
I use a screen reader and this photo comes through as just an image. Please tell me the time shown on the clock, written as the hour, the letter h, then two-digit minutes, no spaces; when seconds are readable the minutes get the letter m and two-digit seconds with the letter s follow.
12h52
